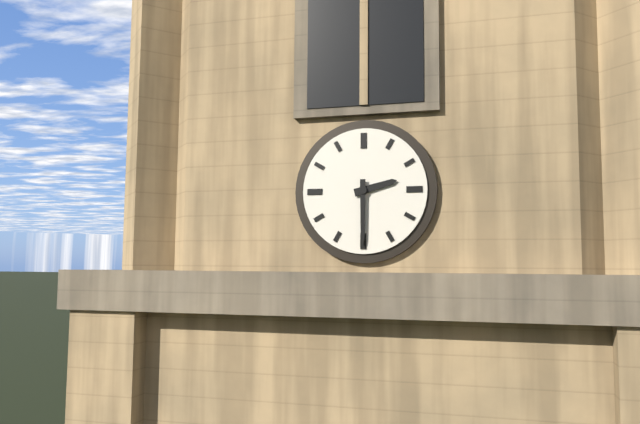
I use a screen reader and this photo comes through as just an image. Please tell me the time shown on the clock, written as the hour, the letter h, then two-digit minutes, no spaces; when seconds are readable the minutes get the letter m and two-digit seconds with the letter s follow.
2h30
